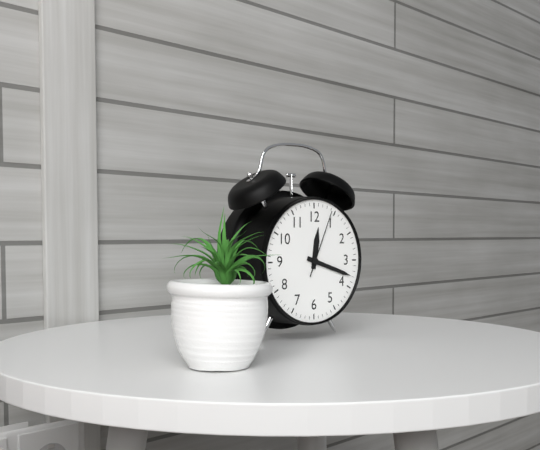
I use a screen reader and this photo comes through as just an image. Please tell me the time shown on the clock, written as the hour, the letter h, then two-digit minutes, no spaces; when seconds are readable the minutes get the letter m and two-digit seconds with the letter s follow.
12h18m04s
